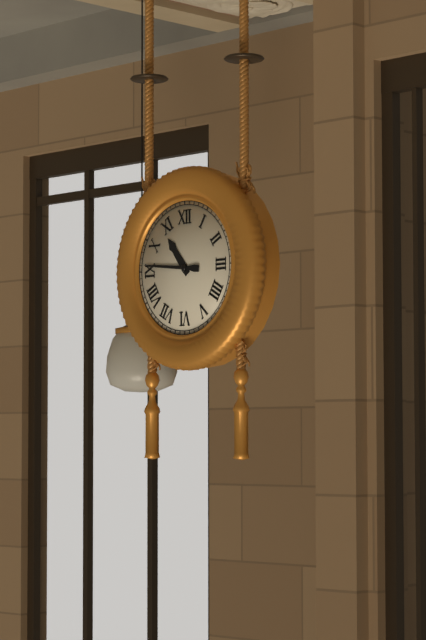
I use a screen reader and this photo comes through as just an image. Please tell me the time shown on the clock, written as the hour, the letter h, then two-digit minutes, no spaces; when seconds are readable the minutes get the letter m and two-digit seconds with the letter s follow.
10h46
